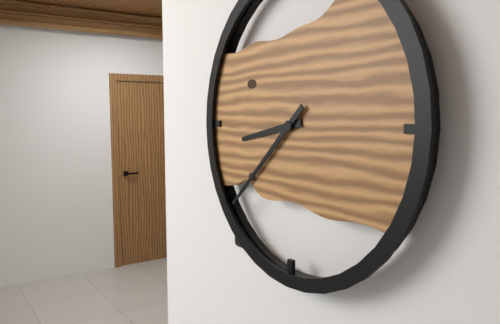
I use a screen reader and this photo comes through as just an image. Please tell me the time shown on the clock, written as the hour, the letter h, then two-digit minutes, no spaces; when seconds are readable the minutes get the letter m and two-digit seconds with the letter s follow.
8h38
